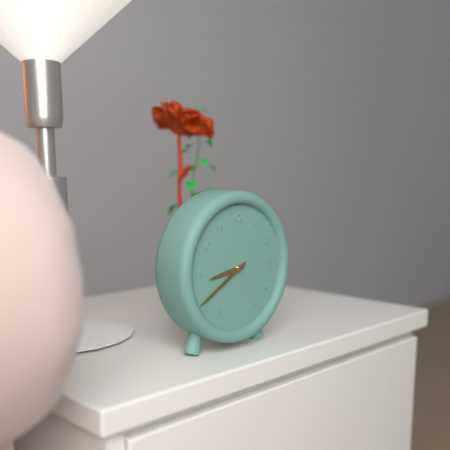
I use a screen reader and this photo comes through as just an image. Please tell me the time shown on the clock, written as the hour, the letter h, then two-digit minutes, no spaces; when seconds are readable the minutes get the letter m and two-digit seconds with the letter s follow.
8h40
